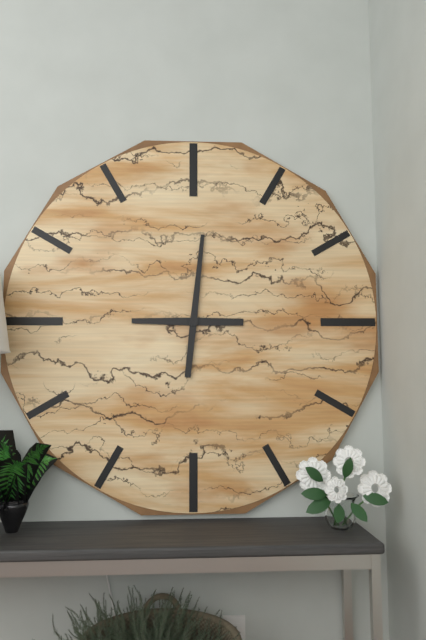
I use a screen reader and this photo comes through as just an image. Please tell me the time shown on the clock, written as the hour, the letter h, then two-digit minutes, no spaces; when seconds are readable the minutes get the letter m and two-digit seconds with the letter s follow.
9h01
